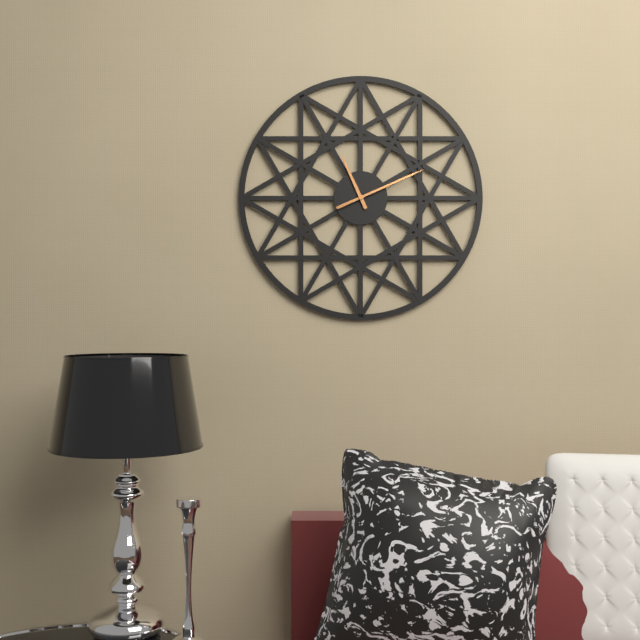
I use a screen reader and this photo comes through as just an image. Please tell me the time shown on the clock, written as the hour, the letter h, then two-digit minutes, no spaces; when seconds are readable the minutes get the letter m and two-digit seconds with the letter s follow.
11h11
